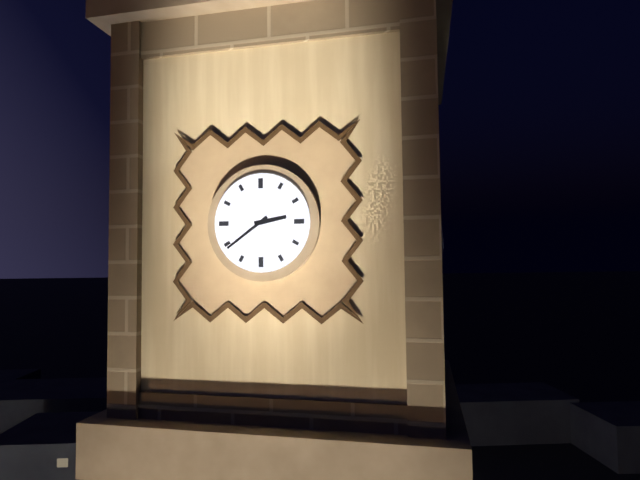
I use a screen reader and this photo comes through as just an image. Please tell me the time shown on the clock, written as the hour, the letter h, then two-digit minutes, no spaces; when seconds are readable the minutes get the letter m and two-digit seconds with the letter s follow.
2h39
